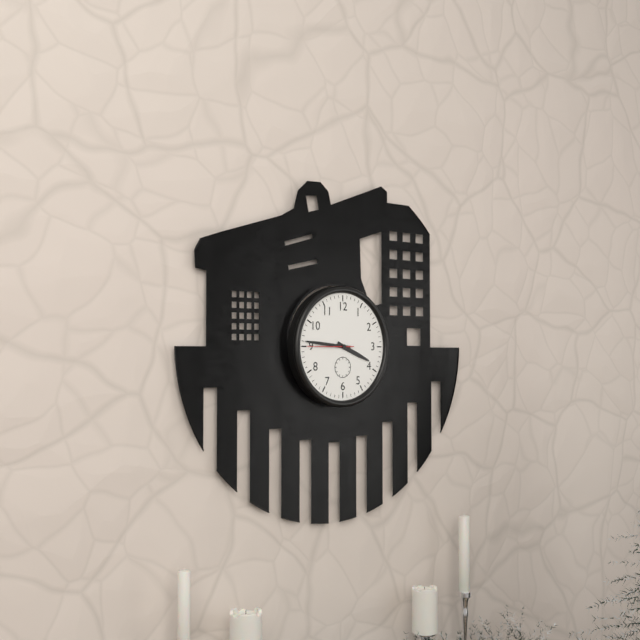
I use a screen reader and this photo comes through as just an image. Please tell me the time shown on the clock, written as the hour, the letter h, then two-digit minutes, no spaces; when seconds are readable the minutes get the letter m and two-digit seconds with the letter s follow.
3h46
